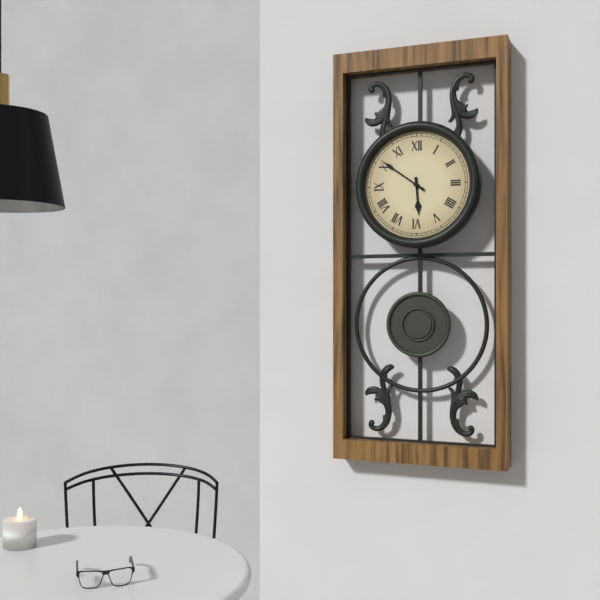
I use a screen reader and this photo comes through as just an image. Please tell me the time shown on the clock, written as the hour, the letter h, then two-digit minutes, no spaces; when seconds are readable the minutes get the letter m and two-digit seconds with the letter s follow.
5h51
